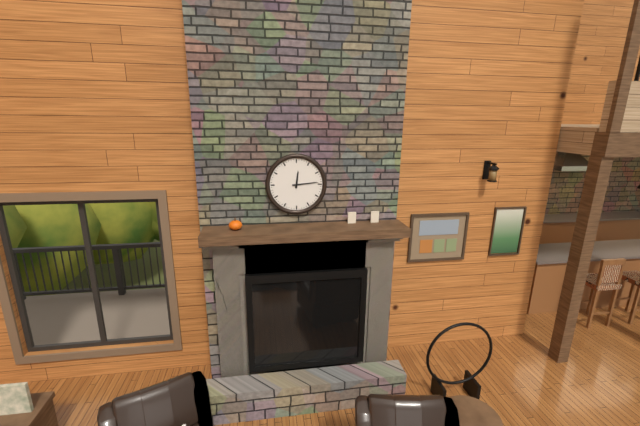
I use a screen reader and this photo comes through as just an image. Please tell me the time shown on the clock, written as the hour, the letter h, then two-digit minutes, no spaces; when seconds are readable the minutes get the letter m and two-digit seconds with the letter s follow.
12h14
